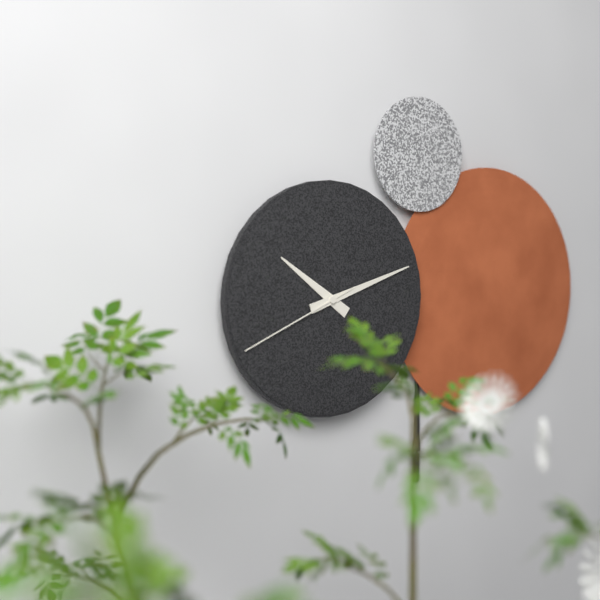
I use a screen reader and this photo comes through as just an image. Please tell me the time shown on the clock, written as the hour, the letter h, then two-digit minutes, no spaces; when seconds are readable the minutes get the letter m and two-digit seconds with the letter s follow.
10h12m41s
